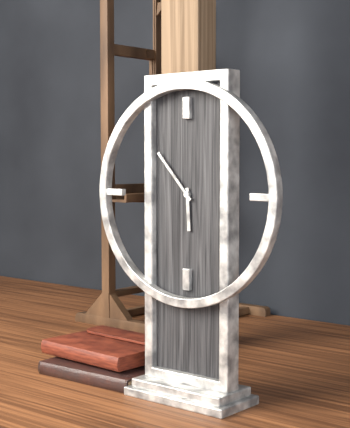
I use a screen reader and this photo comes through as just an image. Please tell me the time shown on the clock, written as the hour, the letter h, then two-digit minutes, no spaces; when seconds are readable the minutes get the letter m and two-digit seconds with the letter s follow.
5h53
